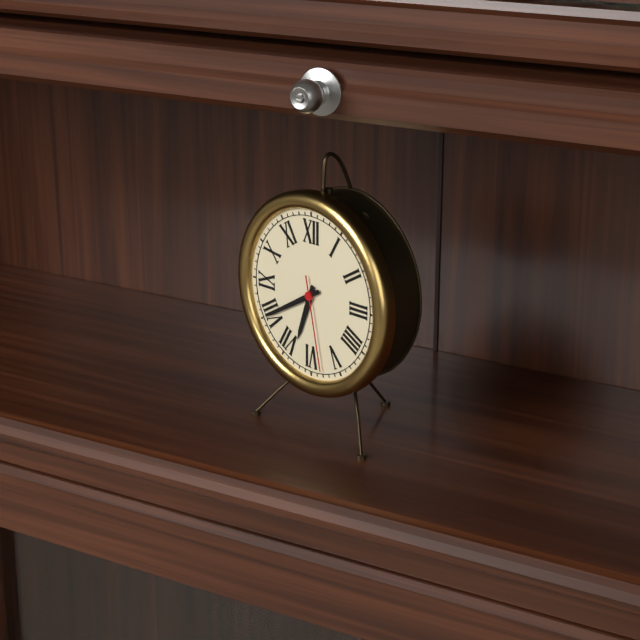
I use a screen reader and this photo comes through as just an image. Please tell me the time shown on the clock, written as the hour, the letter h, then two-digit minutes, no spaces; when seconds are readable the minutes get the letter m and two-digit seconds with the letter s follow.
6h40m28s
